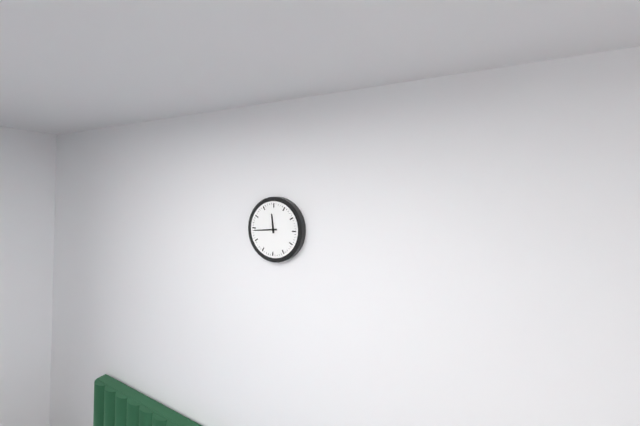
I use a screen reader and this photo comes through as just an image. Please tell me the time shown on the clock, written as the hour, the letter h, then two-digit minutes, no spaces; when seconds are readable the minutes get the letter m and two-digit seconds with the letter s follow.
11h44
